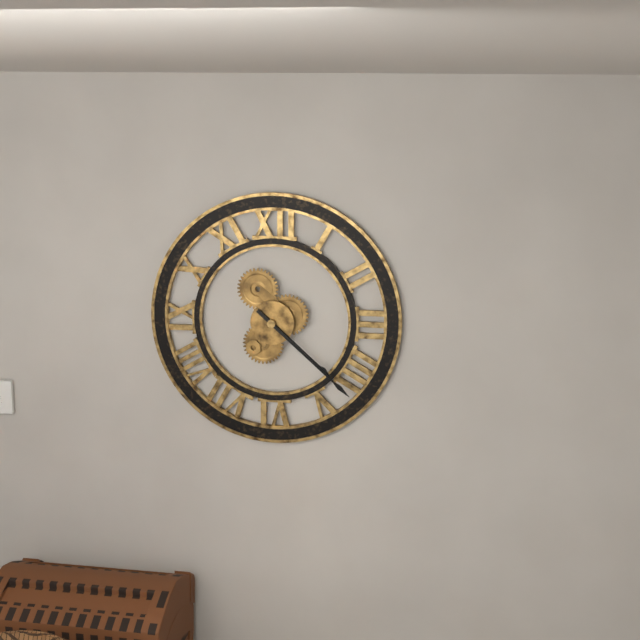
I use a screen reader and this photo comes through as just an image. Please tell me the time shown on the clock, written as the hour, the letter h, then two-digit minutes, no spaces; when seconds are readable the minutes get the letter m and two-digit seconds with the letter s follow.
4h22
